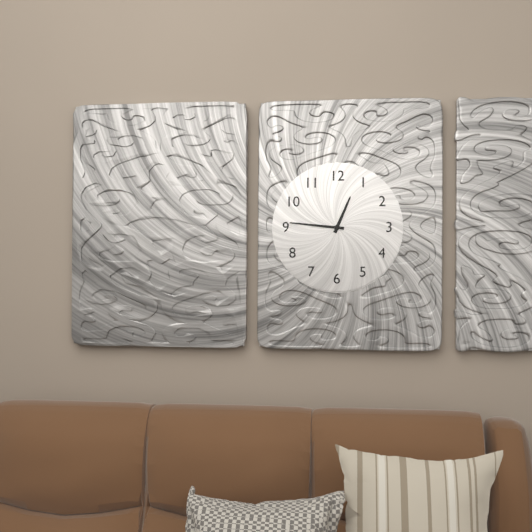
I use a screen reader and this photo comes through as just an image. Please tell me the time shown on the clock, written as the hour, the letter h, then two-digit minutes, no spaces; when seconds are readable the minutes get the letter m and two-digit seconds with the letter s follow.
12h46
